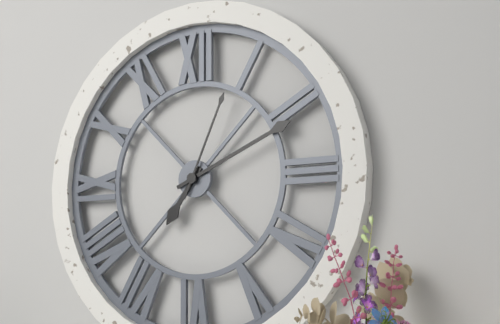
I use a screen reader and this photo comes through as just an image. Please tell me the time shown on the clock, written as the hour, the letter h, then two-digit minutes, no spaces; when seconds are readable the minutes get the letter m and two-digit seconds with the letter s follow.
7h11m04s
